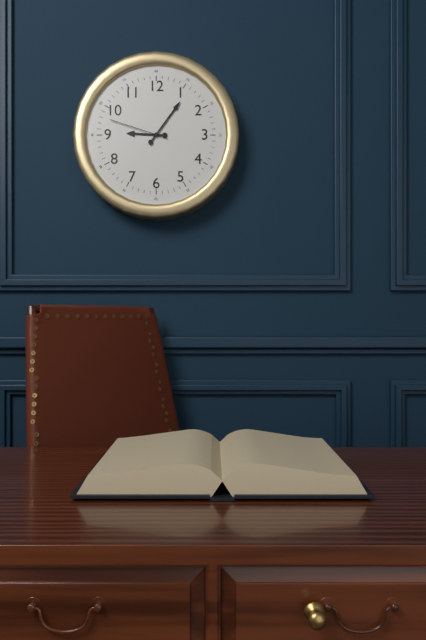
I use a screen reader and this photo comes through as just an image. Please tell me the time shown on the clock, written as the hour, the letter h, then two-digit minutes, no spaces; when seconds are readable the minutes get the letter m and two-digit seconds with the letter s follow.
9h06m48s
